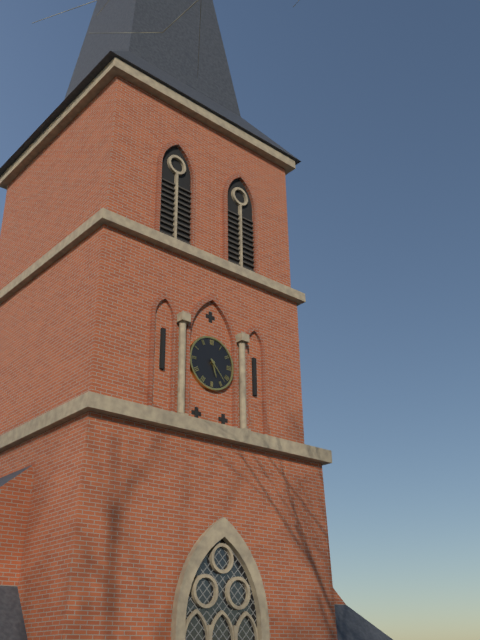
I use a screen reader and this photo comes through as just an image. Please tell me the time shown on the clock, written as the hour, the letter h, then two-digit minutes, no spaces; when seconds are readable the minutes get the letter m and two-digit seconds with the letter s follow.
5h23
